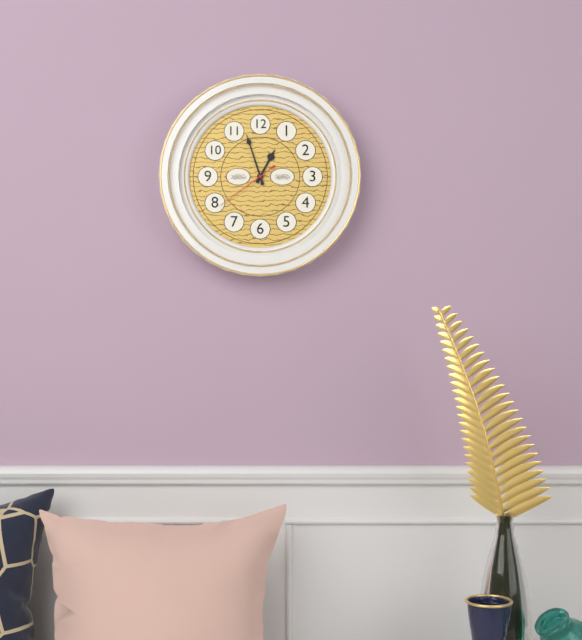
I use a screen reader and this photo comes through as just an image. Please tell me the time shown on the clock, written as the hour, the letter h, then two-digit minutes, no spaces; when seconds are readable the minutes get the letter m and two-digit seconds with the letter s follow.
12h57m39s
